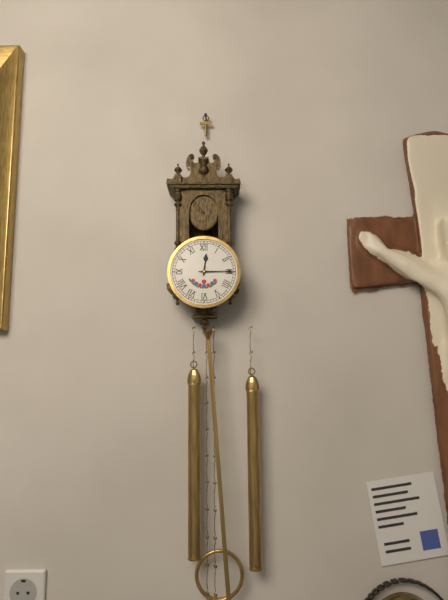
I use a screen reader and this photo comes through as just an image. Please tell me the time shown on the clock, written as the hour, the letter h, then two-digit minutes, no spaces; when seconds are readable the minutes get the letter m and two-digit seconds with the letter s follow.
12h15
